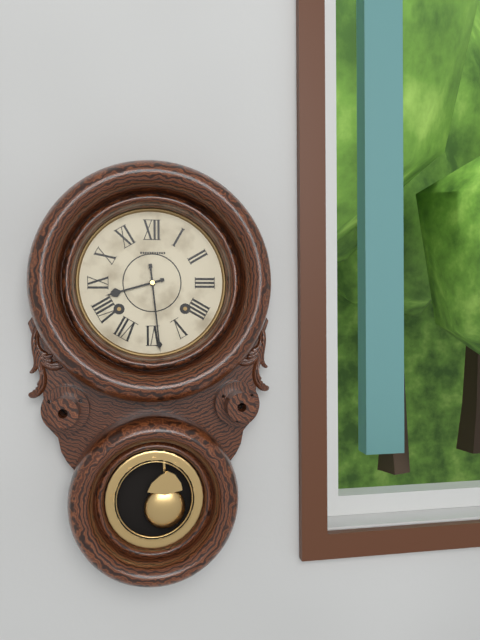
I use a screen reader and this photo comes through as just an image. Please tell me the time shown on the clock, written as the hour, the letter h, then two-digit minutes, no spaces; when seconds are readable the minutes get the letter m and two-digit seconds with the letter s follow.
8h29
